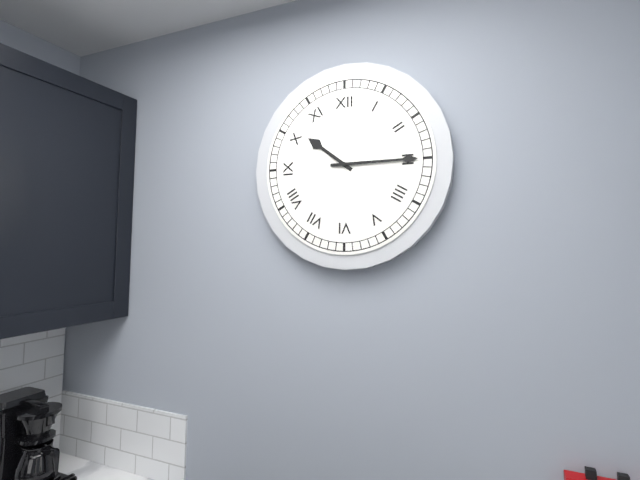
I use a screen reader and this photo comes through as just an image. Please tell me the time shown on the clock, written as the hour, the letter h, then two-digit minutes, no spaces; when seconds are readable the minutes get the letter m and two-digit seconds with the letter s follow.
10h15
